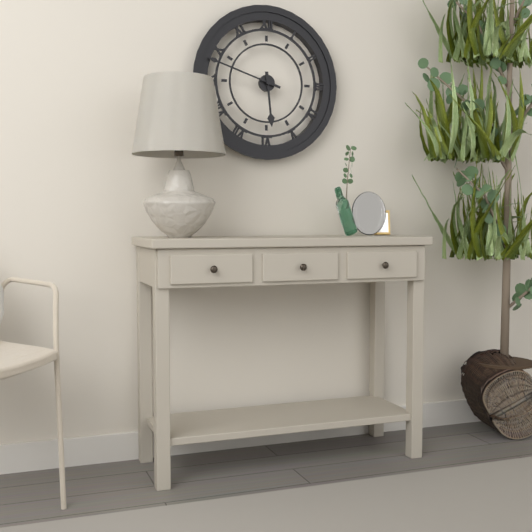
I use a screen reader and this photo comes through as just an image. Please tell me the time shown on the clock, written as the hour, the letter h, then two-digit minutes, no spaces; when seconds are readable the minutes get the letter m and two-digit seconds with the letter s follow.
5h48
